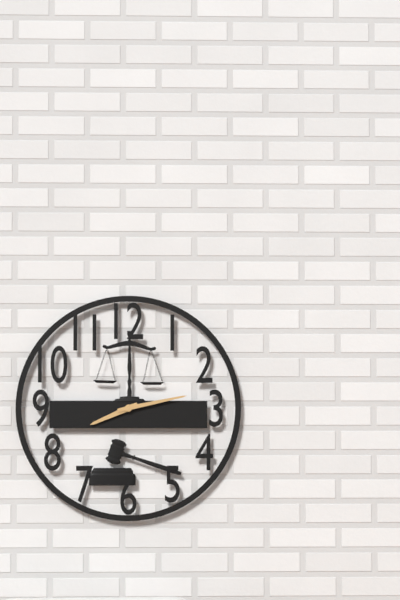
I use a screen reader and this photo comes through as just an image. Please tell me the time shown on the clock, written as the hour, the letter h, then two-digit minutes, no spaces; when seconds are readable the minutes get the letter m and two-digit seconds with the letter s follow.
8h13
